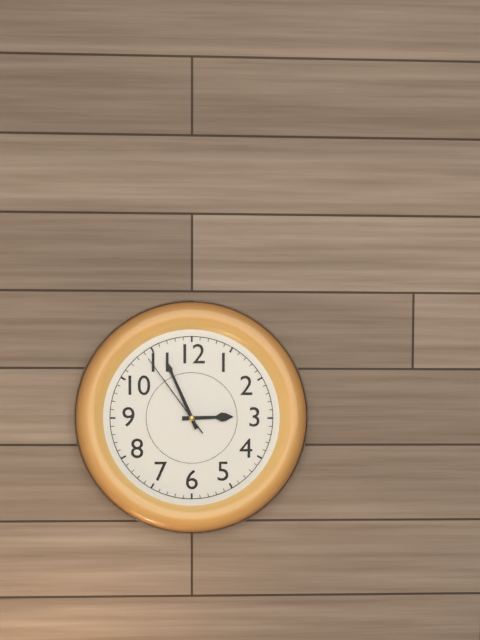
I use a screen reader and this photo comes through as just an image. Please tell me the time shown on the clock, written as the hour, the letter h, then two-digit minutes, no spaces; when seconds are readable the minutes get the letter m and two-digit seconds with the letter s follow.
2h56m54s
